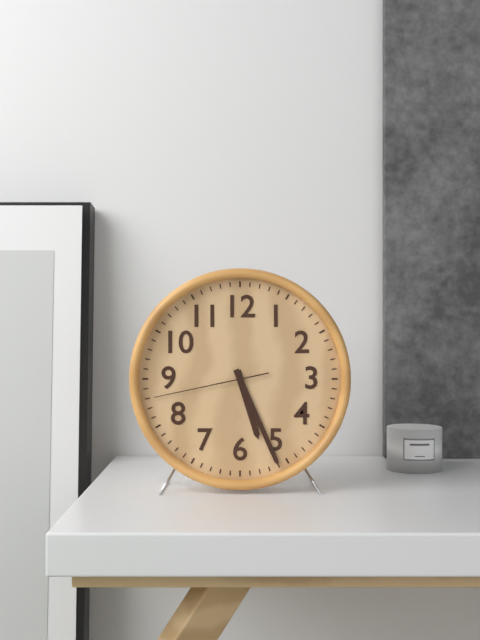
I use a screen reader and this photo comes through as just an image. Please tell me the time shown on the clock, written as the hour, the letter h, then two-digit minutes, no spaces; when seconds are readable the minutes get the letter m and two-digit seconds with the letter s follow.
5h26m43s
